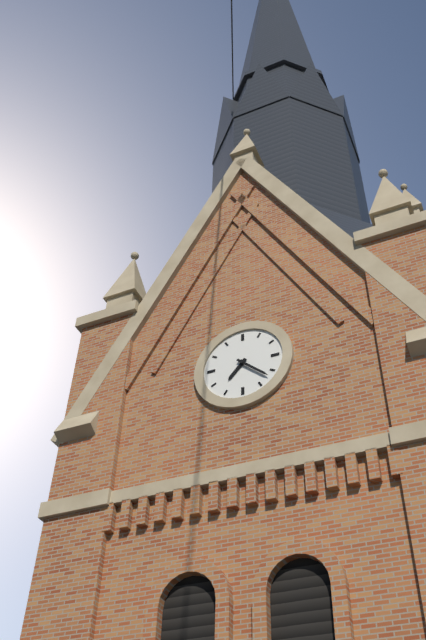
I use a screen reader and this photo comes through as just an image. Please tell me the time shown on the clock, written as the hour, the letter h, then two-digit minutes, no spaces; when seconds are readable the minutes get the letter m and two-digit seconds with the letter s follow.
7h22
